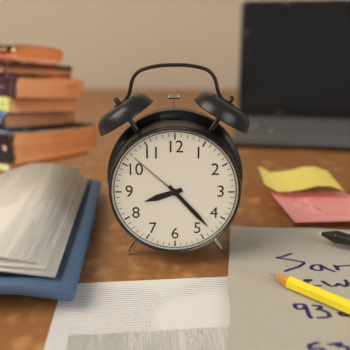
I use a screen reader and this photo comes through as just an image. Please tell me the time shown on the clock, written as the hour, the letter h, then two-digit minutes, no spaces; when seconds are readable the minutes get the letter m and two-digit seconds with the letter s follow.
8h23m52s
